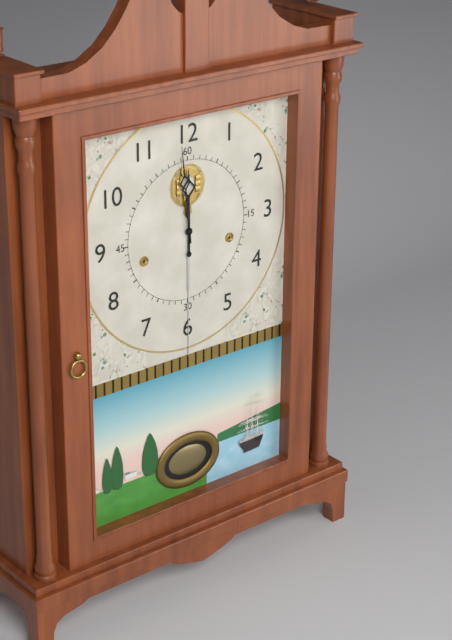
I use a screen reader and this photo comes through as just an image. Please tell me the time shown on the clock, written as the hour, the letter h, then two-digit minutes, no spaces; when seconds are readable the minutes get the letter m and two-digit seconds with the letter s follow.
11h59
